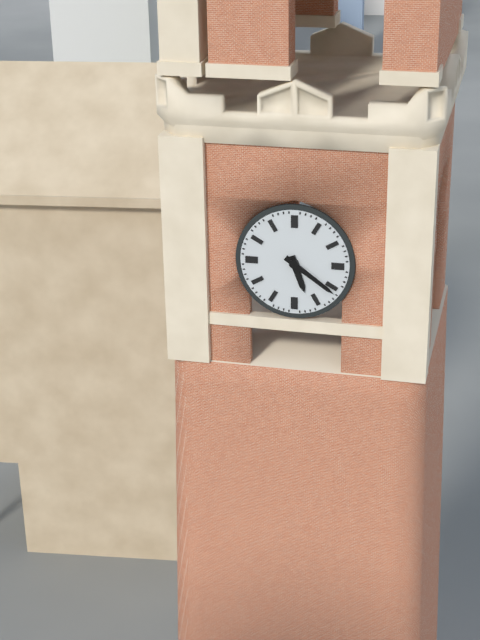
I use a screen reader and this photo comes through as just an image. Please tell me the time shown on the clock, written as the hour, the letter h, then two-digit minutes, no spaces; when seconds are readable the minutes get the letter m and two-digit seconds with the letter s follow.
5h21
